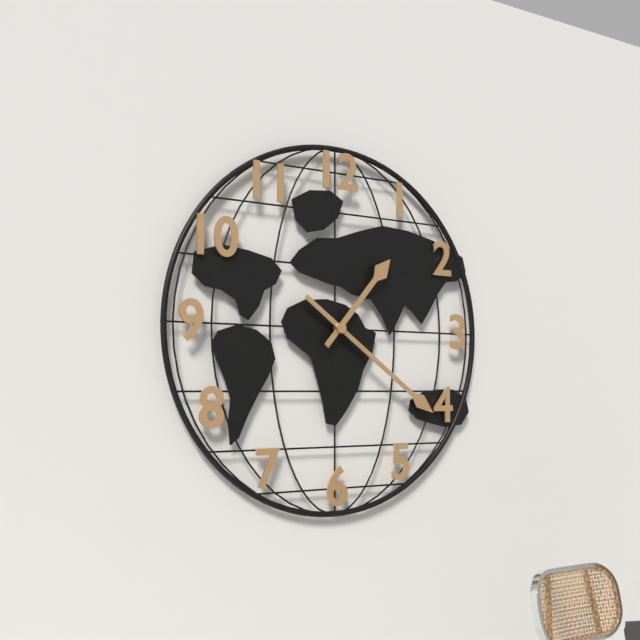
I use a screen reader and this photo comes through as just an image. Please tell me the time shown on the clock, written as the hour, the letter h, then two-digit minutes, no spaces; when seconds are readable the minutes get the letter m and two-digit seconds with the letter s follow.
1h21
